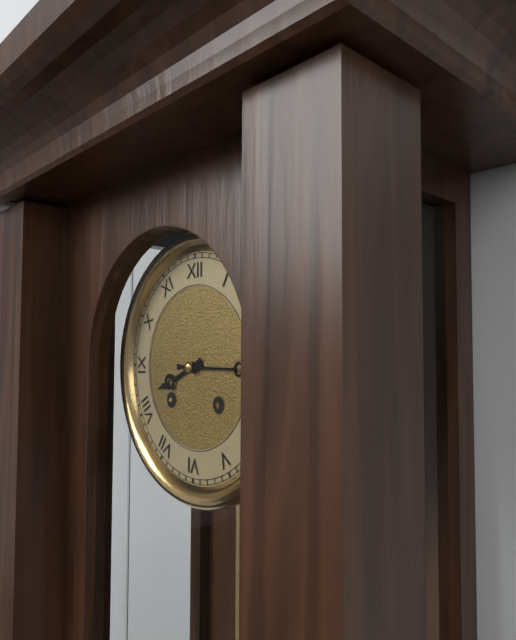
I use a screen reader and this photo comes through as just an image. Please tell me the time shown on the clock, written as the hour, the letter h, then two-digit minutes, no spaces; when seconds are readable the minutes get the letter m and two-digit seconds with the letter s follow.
8h15
